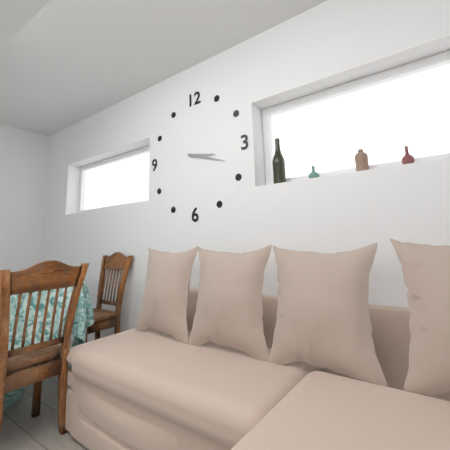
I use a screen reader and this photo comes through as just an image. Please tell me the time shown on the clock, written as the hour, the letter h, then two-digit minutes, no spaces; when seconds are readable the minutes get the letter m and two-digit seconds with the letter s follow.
3h18
